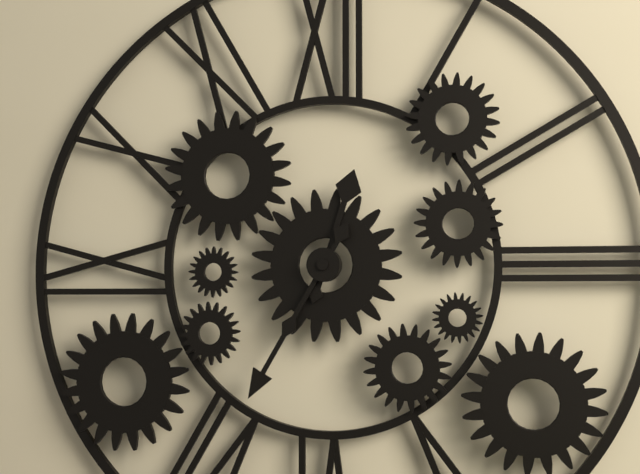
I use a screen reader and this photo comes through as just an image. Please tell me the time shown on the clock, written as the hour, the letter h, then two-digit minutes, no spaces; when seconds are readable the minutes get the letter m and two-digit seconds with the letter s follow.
12h35
